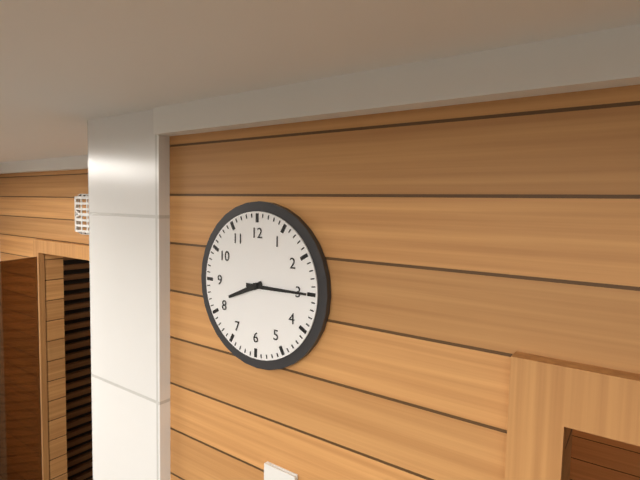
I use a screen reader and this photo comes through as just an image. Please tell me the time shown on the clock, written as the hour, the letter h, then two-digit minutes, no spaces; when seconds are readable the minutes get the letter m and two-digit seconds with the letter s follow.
8h15
